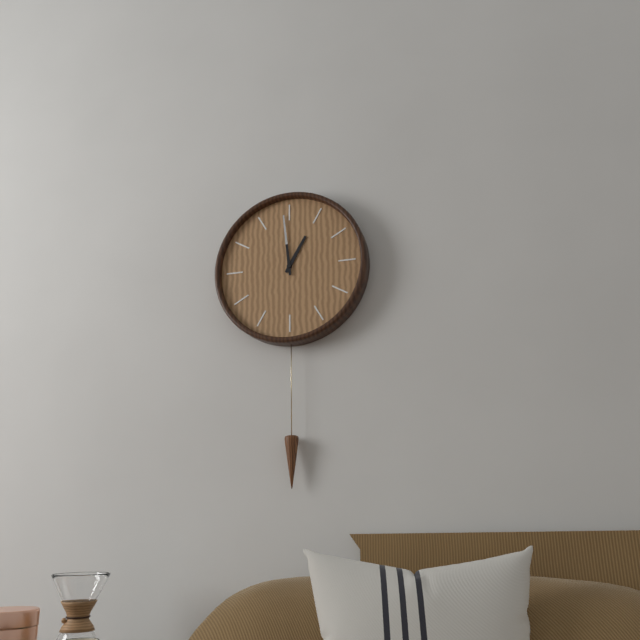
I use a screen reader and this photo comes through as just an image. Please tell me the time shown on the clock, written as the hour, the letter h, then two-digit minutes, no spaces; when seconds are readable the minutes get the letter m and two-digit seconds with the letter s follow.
12h59
